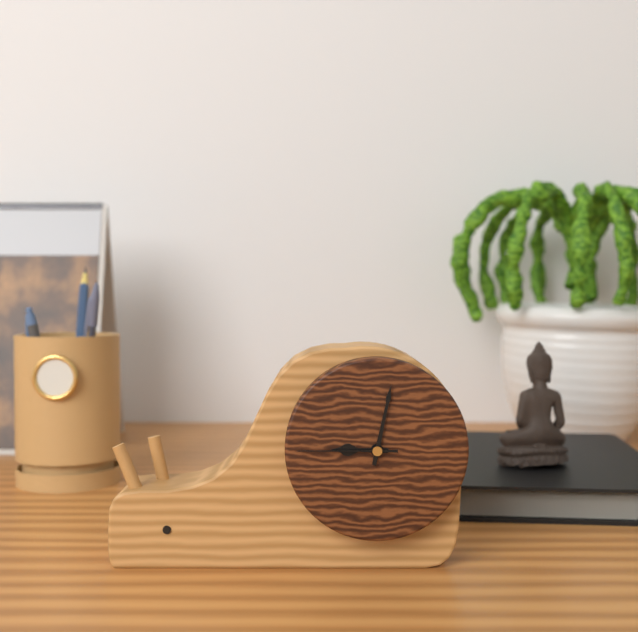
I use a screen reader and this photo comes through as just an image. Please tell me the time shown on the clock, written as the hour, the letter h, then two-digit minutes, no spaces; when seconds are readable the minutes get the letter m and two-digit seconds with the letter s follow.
9h02m45s
